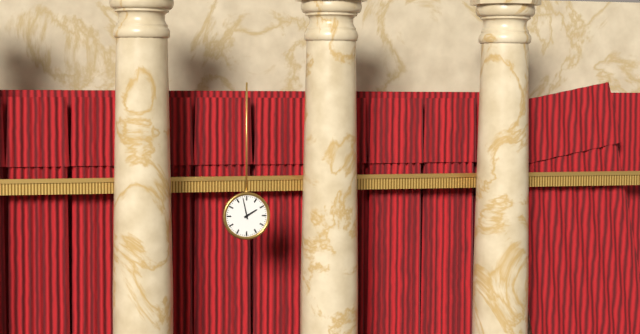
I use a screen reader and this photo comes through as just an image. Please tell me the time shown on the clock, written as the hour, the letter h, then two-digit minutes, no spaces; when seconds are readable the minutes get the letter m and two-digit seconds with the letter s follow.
1h58
